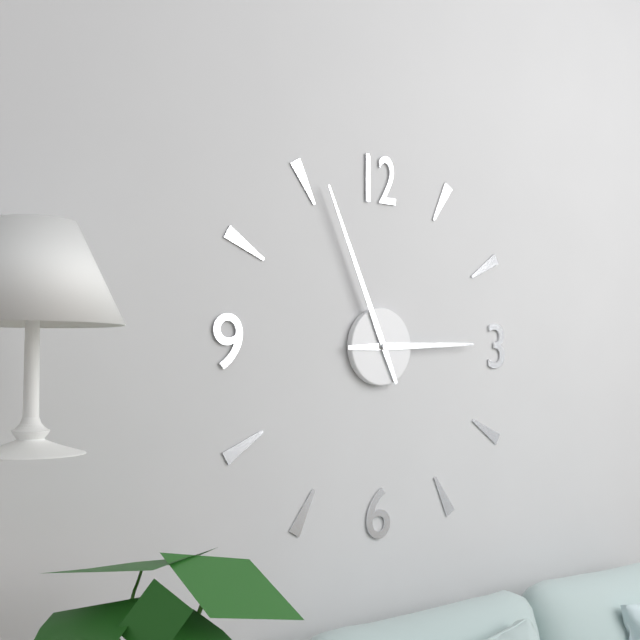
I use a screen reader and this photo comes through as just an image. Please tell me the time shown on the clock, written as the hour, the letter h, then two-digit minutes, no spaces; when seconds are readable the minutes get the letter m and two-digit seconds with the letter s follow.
2h56
